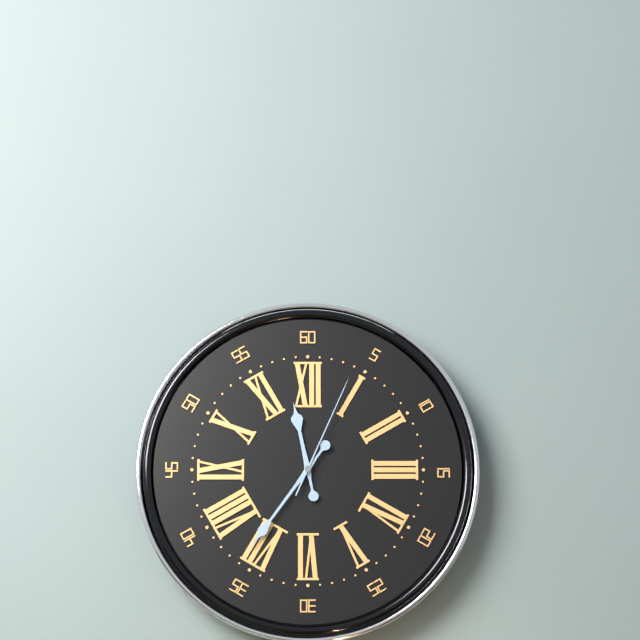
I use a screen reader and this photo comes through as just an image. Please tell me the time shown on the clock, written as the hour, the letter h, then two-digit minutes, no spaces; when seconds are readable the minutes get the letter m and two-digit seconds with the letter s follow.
11h36m04s
